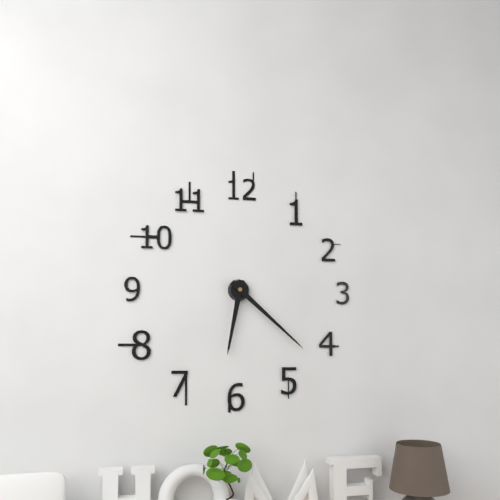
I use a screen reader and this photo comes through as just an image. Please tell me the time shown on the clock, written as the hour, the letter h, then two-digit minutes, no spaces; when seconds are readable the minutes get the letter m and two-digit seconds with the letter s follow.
6h22
